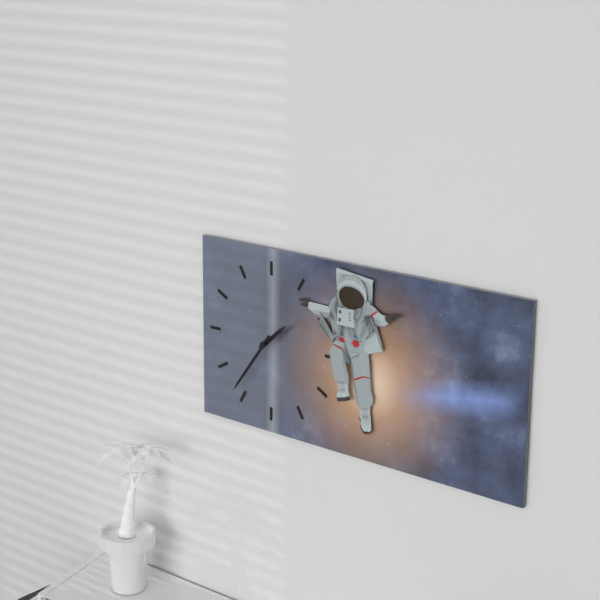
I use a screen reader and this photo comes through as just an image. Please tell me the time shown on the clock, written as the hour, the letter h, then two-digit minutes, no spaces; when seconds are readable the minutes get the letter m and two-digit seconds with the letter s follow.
1h36
